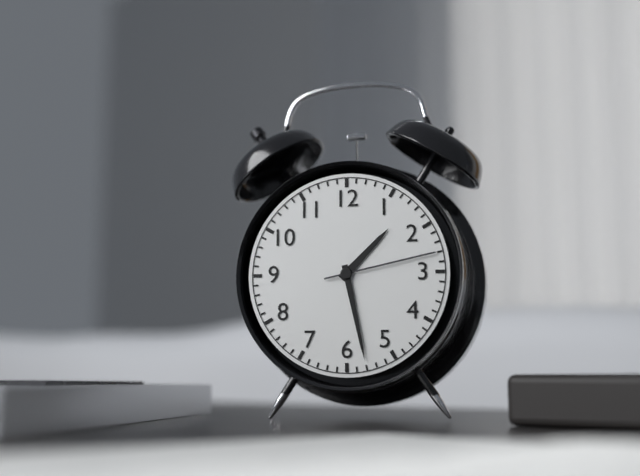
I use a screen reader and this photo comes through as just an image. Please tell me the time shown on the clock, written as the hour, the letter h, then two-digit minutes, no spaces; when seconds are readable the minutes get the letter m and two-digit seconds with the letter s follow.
1h28m13s
